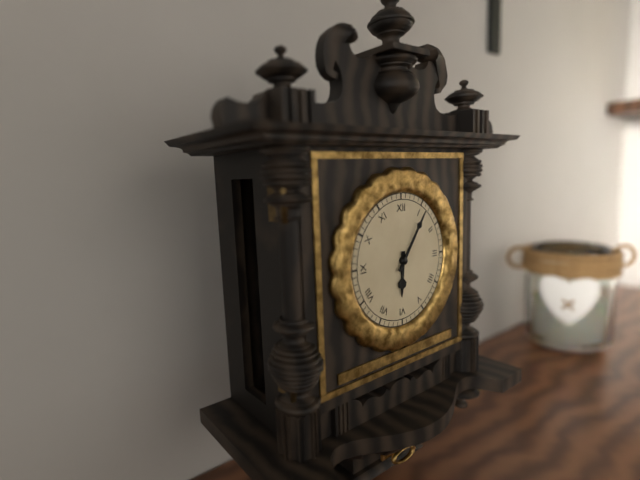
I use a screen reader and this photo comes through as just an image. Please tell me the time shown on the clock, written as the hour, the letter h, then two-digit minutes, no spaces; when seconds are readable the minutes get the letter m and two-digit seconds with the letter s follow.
6h06
